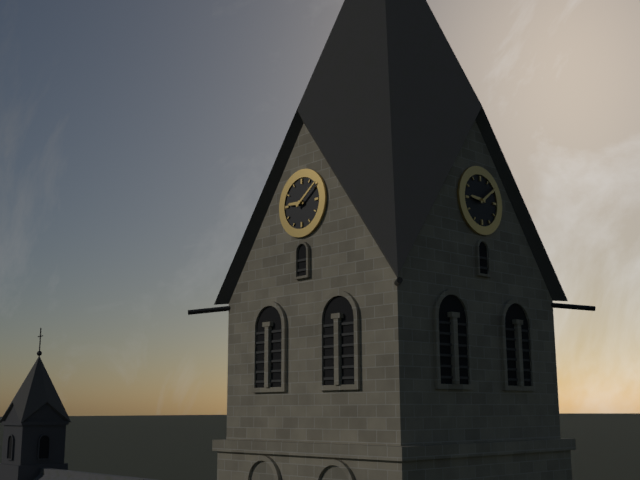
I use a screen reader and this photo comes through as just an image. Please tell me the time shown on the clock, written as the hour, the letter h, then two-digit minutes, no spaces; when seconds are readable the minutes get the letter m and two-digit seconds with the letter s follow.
9h09
